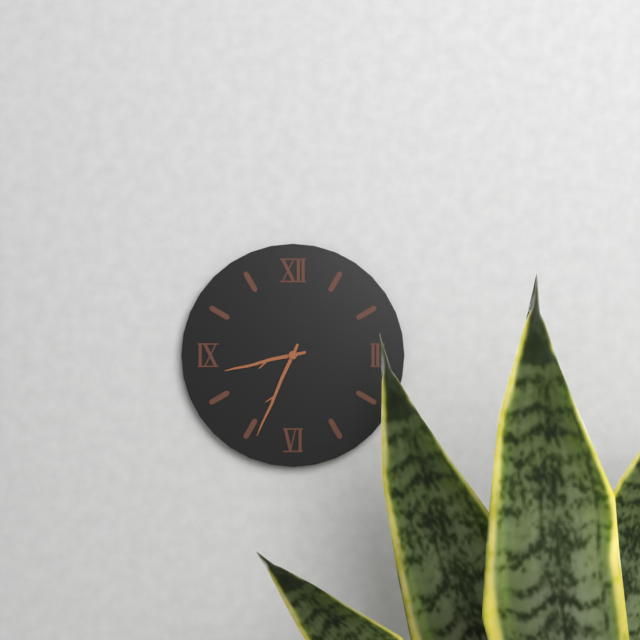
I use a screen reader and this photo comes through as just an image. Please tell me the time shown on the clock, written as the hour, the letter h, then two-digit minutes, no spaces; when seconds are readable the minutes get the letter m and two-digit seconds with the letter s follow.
8h34
